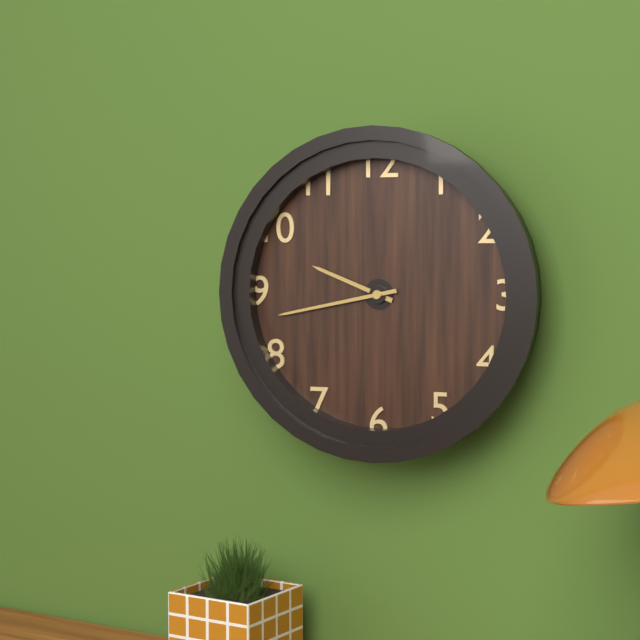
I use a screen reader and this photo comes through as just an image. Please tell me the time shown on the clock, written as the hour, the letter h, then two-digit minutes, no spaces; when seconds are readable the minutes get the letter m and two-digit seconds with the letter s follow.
9h43
